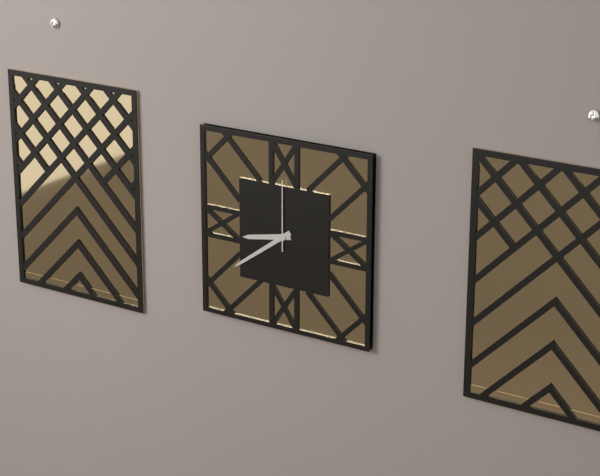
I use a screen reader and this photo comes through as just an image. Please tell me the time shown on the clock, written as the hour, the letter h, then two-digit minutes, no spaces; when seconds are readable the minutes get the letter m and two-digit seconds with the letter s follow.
8h39m00s
